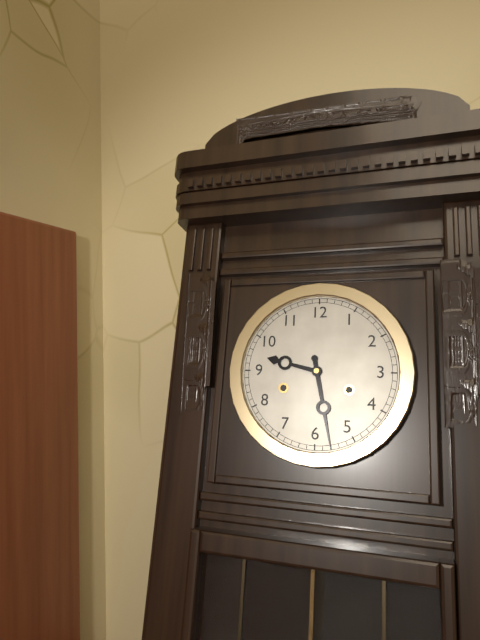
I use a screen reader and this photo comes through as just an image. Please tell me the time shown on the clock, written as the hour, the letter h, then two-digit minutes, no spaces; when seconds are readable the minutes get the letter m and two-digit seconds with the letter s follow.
9h28
